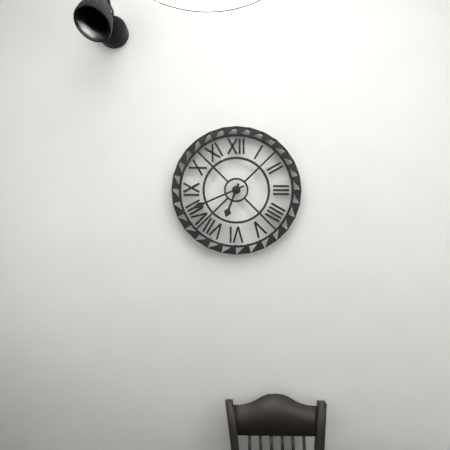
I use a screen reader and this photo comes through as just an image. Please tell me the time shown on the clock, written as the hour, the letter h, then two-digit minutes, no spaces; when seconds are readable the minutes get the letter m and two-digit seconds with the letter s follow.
6h41
